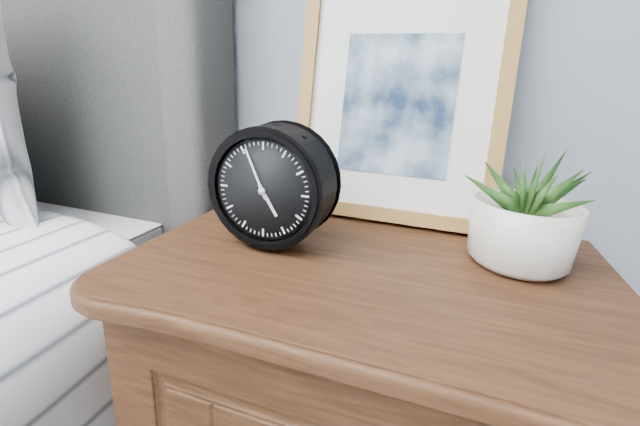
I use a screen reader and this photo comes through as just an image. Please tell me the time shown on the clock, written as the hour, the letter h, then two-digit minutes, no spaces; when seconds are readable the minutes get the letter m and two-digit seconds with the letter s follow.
4h56
